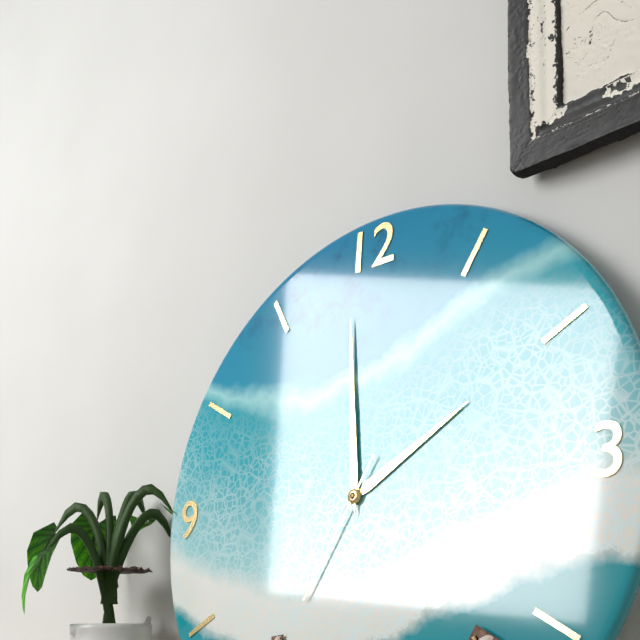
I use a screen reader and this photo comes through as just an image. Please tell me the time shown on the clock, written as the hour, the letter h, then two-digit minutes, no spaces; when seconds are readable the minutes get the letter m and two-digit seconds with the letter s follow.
1h59m35s
